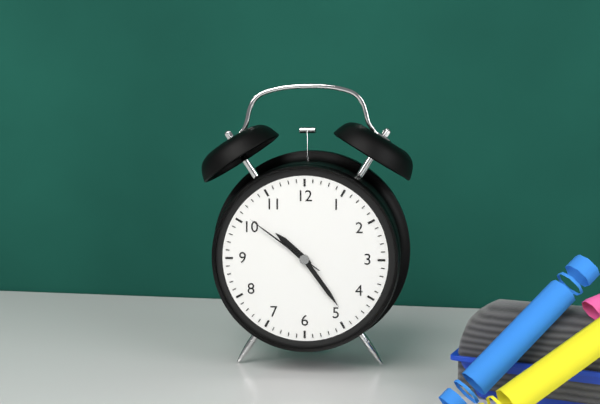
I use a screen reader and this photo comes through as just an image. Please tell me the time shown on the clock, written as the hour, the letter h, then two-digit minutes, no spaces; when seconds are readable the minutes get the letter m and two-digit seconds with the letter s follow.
10h24m51s
